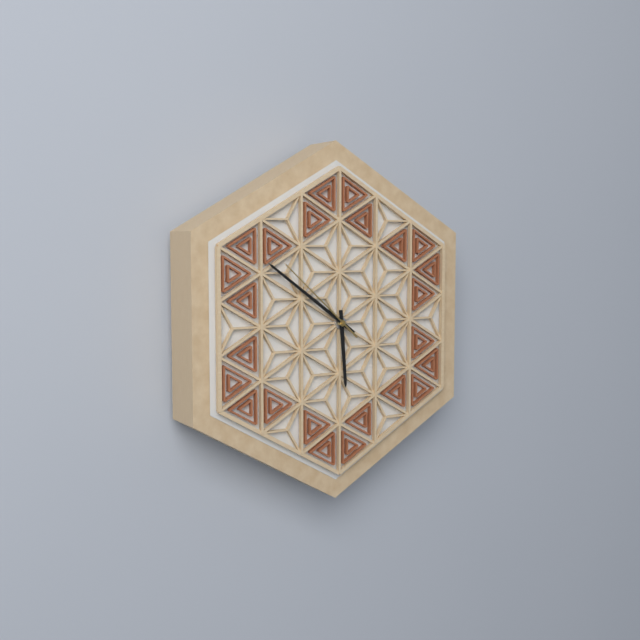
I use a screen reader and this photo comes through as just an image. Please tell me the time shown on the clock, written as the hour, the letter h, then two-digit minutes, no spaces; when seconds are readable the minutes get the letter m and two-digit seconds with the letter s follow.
5h51m52s
